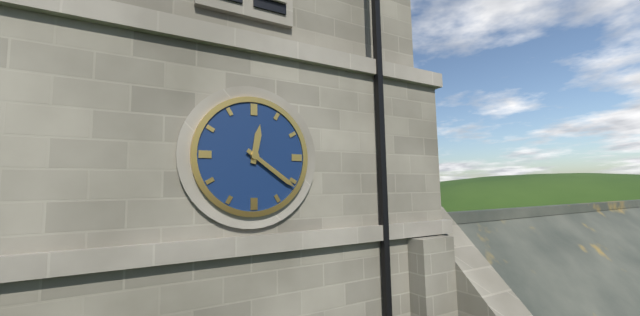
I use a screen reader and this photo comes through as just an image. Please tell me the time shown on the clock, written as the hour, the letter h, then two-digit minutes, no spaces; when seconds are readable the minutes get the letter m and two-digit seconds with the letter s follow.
12h21
